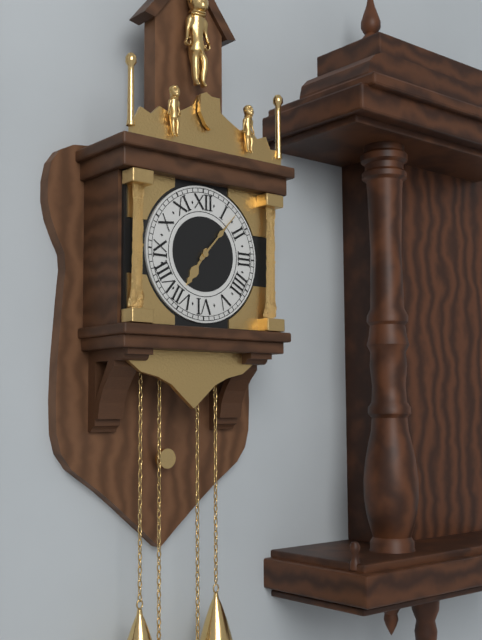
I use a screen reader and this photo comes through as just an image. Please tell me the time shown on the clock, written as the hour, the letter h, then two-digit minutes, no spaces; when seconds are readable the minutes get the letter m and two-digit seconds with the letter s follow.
7h07
